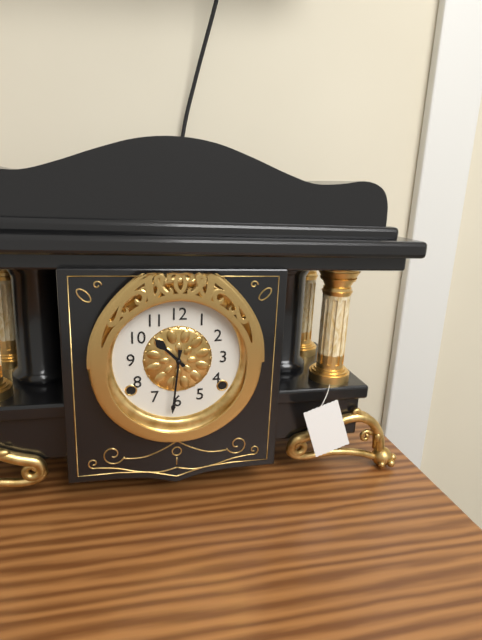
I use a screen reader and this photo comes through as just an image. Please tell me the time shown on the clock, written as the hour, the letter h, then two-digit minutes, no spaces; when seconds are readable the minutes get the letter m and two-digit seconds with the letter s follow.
10h31
